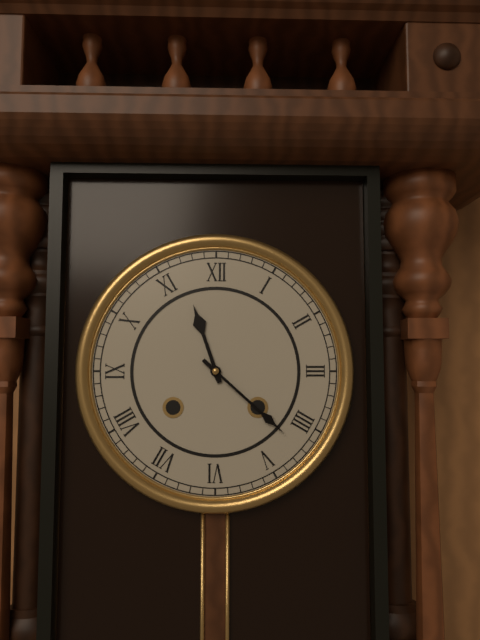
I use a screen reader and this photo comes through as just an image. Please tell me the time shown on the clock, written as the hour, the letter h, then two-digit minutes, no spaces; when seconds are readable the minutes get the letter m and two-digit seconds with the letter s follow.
11h22
